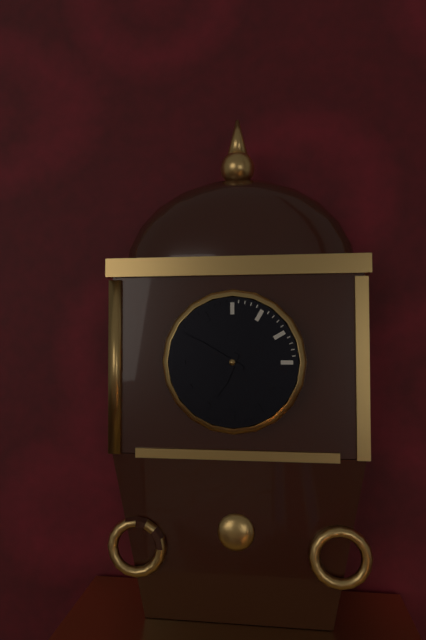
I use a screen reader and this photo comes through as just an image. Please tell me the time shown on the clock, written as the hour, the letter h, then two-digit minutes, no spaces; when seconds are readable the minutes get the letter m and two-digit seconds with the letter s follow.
6h50
